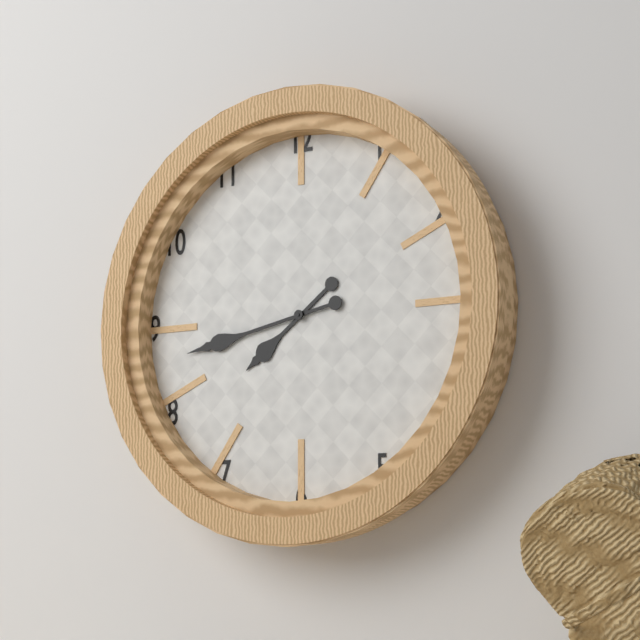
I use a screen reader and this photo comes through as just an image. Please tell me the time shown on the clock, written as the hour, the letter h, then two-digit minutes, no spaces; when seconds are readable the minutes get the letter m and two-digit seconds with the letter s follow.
7h43
